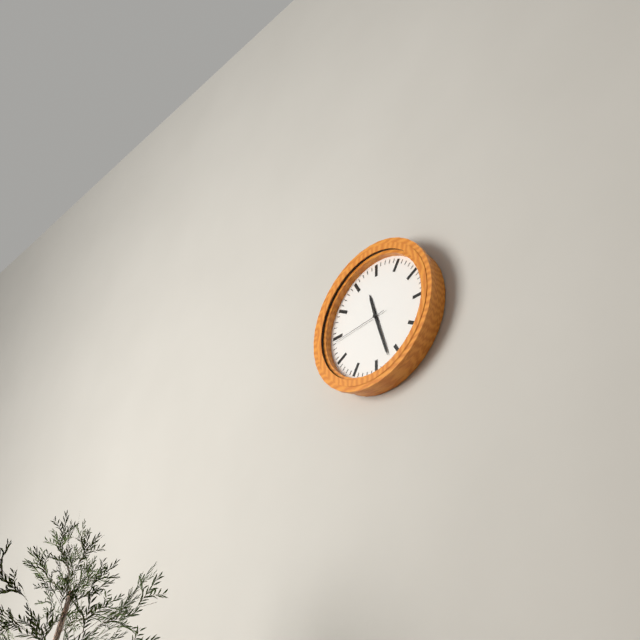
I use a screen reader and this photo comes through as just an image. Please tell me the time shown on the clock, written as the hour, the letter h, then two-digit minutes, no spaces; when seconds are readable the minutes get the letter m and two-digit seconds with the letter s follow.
11h27m44s
